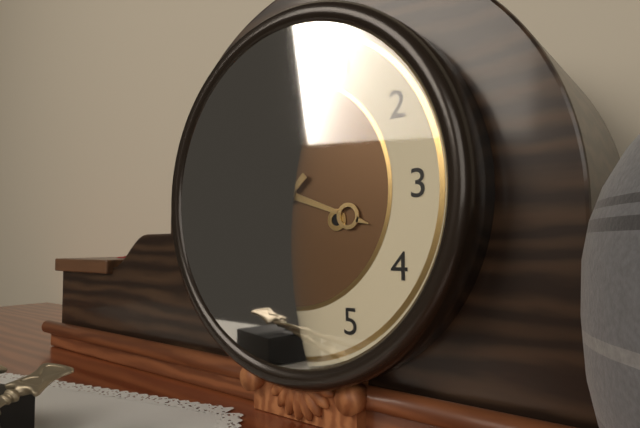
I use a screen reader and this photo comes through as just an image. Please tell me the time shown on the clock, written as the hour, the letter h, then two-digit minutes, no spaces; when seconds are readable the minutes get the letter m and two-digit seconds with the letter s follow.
3h38
